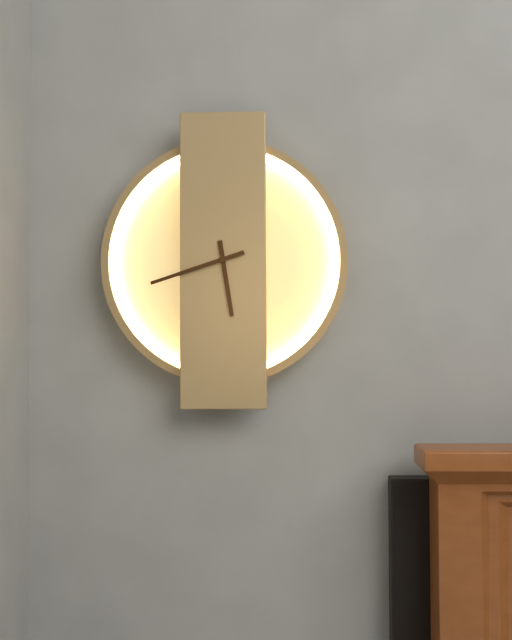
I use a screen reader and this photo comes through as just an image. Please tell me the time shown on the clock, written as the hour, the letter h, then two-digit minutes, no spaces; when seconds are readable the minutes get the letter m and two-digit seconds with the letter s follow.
5h42
